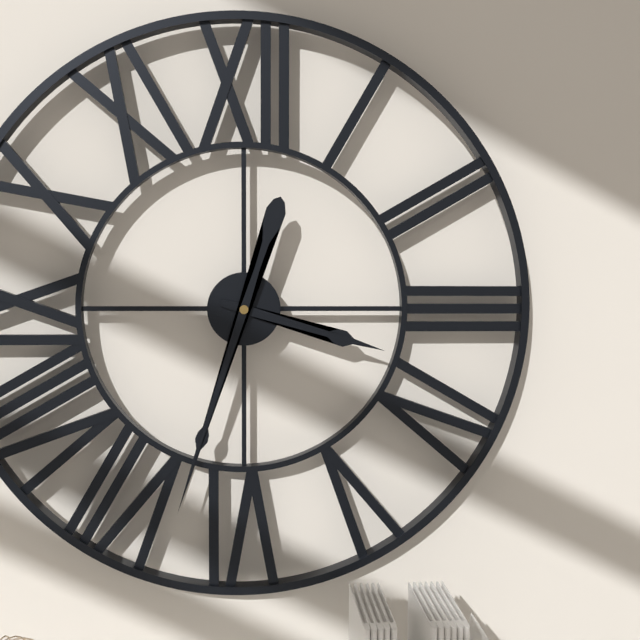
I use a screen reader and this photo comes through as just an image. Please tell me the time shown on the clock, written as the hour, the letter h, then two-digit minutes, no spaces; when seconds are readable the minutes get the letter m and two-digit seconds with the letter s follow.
3h33
